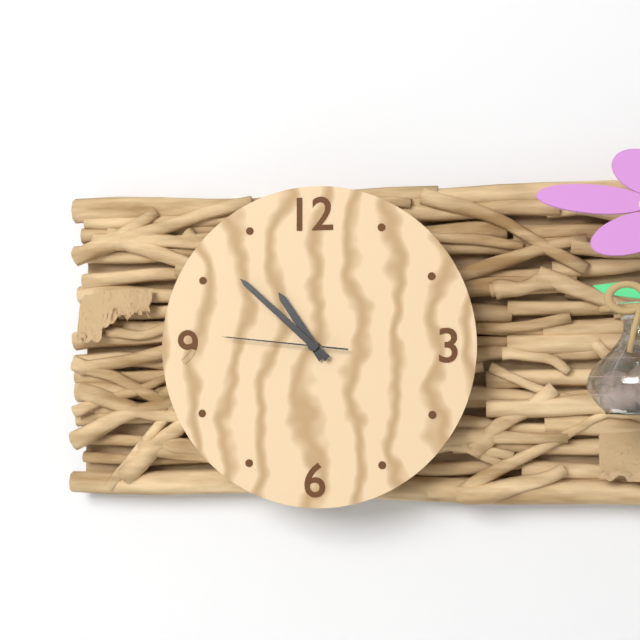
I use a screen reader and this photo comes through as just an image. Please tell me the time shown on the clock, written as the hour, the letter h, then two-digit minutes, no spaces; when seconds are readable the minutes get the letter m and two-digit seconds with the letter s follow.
10h52m46s
